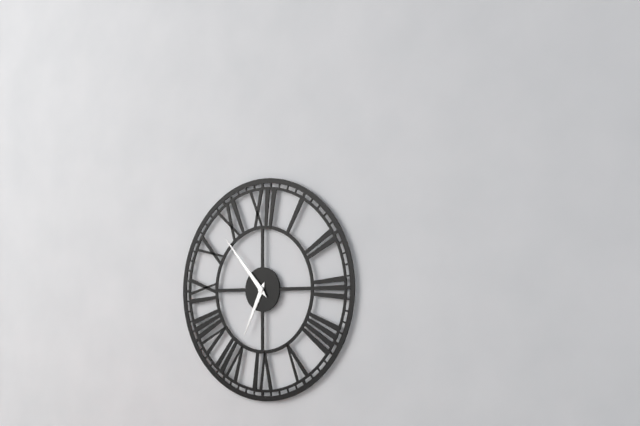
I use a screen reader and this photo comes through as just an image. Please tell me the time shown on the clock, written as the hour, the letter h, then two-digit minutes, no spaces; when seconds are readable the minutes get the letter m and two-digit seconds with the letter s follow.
6h53
